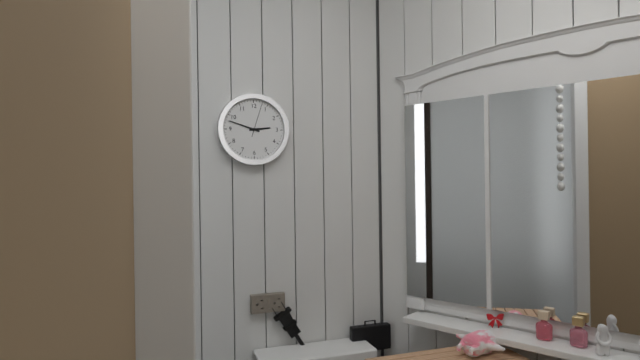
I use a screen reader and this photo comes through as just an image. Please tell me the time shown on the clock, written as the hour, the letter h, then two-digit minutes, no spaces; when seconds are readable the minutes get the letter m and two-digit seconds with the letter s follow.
2h48
